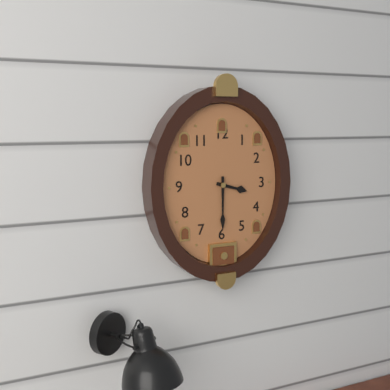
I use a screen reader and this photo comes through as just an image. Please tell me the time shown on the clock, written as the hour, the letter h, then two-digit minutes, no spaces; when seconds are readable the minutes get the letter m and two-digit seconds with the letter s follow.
3h30
